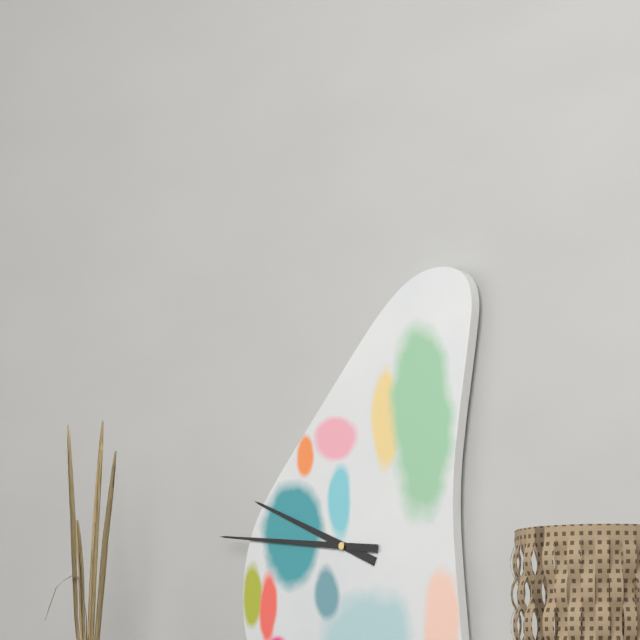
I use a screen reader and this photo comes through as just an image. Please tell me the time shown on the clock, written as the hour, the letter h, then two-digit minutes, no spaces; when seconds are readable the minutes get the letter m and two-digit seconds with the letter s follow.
9h46
